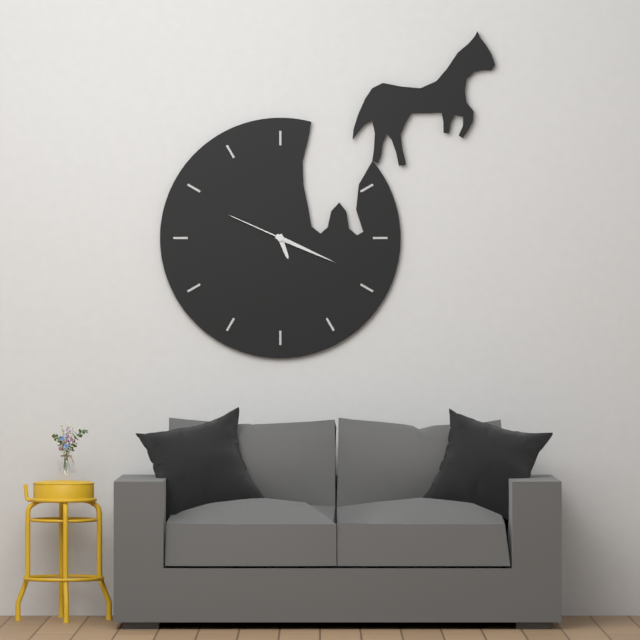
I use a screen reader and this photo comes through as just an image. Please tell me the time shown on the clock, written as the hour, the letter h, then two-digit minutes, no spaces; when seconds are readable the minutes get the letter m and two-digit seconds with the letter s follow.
5h19m49s
